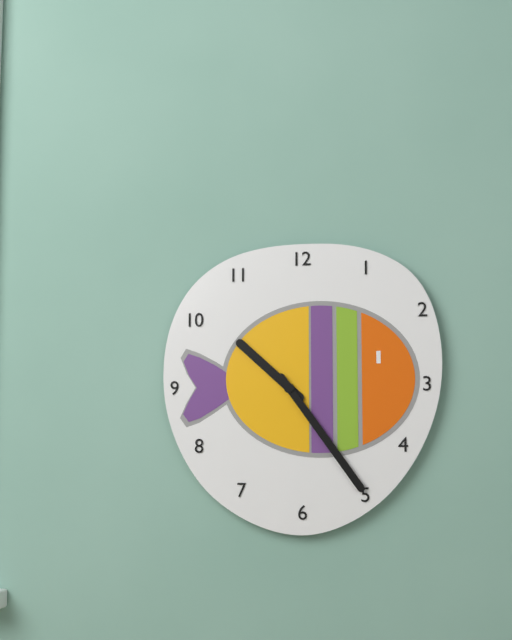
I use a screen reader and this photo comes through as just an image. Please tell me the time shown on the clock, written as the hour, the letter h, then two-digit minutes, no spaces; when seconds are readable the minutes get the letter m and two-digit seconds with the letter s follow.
10h24
